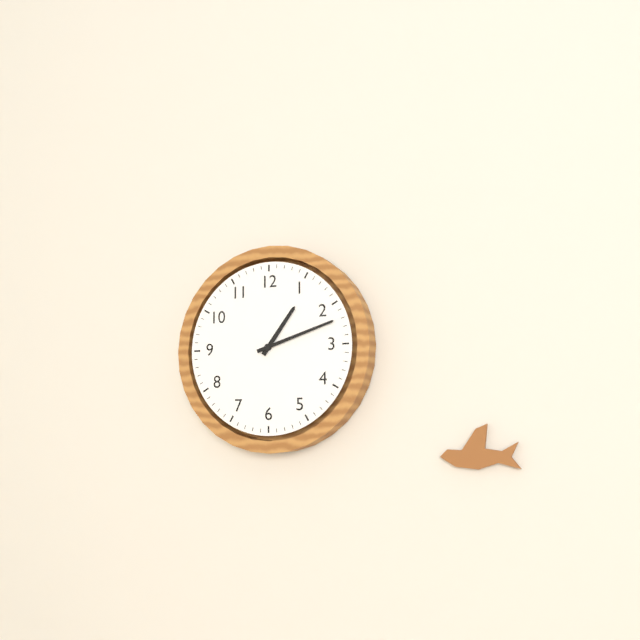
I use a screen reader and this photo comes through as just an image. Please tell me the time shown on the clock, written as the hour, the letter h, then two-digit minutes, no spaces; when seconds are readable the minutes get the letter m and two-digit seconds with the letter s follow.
1h12
